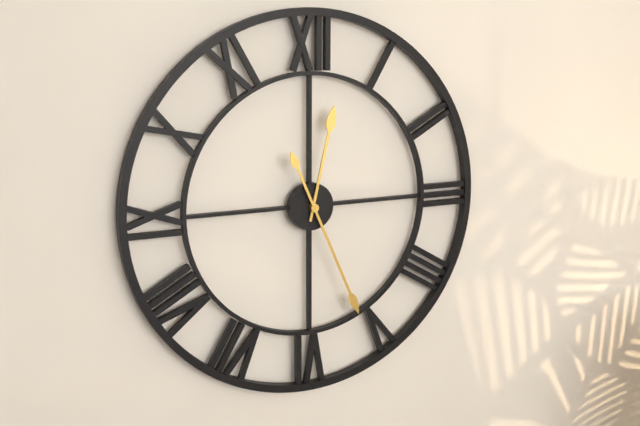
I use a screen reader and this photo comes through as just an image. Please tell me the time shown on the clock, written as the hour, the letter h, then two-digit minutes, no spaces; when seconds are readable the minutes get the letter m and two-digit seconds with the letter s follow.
12h26
